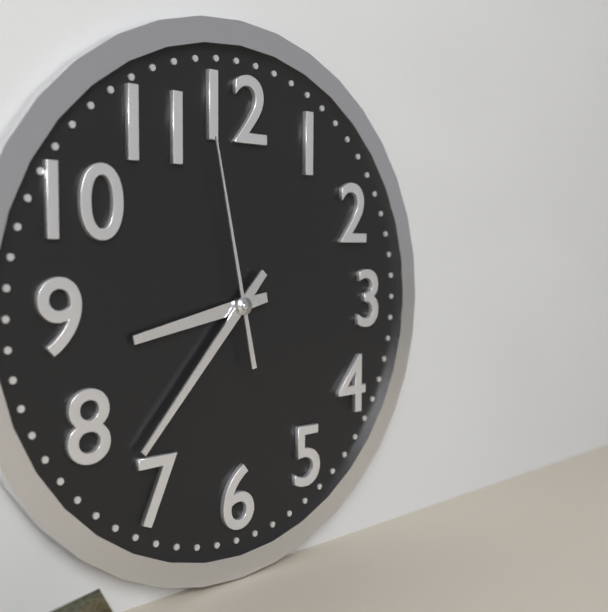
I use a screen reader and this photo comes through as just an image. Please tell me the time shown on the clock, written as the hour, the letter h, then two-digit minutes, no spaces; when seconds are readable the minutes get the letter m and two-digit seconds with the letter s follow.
8h37m58s
